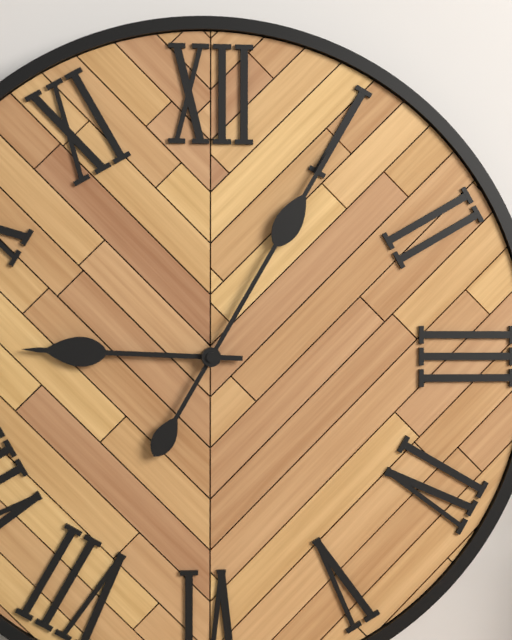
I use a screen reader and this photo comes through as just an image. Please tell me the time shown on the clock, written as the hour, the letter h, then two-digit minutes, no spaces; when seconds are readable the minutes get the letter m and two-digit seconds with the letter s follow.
9h05
